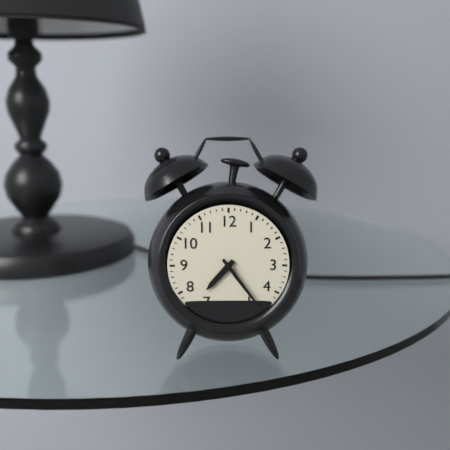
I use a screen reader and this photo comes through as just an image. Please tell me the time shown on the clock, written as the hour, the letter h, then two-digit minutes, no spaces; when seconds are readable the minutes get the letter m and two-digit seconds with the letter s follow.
7h24
